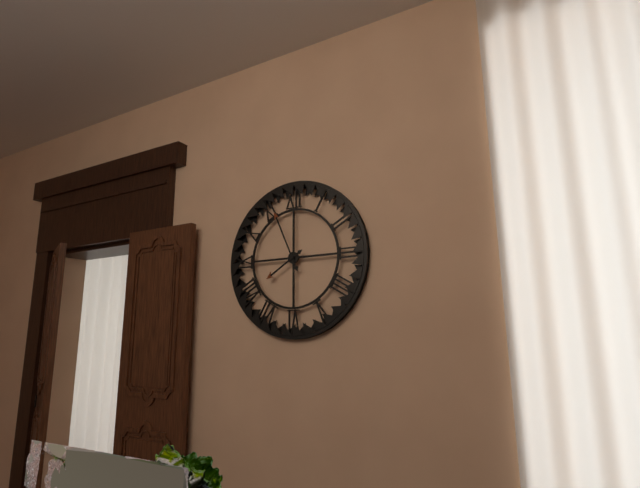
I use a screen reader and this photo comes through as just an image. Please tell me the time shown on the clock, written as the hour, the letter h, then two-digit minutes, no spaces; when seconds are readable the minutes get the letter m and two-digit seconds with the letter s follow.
7h56
